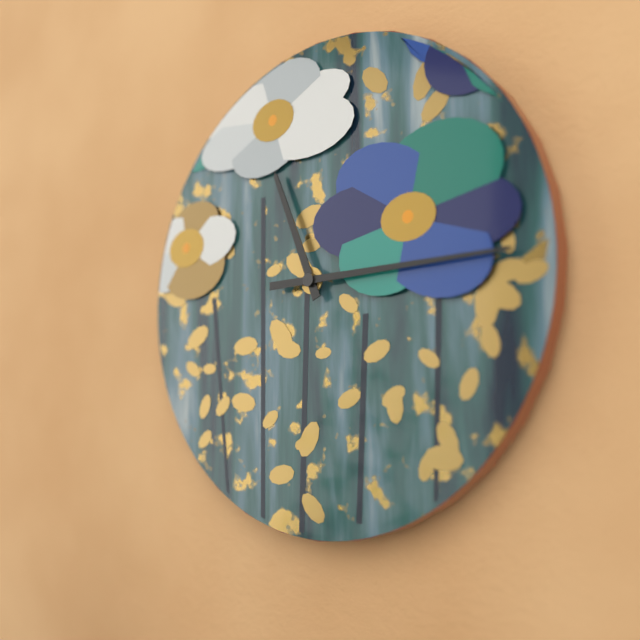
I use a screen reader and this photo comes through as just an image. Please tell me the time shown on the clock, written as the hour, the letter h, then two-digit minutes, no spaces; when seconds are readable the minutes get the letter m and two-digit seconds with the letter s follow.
11h15
